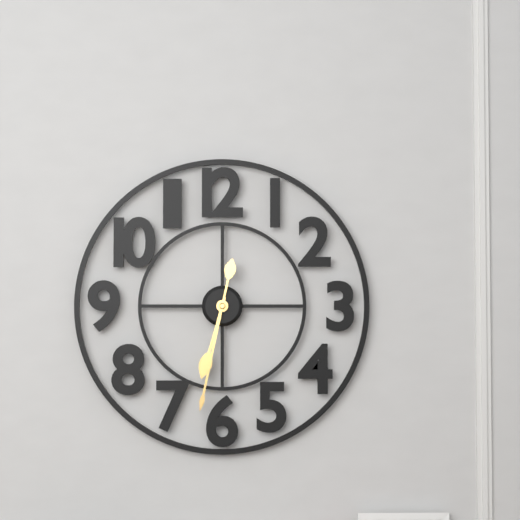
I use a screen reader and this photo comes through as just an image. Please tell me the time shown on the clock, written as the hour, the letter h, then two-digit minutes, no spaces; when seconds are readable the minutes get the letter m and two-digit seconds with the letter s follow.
6h32
